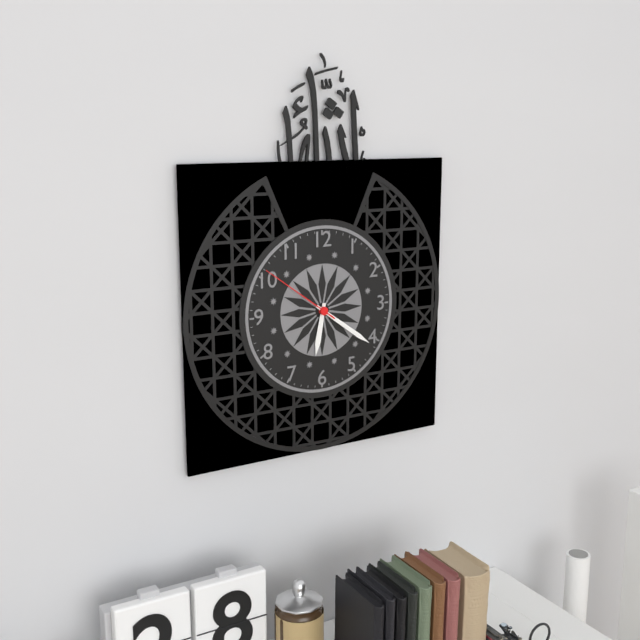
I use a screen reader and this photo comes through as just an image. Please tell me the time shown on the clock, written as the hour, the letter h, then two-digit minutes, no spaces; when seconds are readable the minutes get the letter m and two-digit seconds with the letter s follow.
6h21m51s
